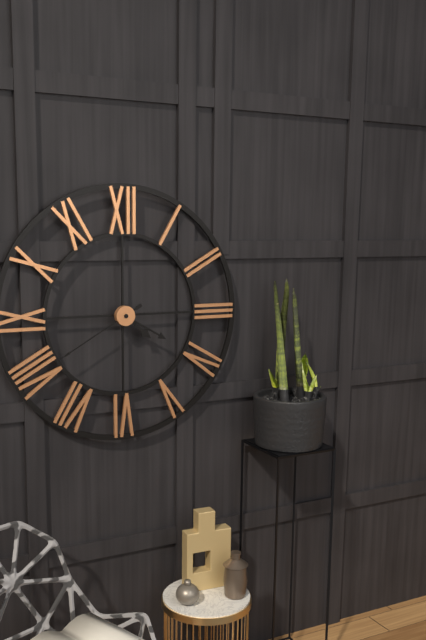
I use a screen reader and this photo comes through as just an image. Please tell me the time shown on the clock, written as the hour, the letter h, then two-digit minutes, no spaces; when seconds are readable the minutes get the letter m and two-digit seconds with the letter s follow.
4h20m40s
